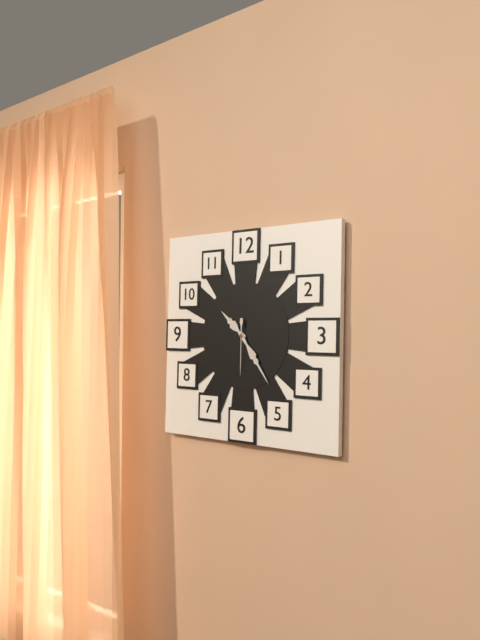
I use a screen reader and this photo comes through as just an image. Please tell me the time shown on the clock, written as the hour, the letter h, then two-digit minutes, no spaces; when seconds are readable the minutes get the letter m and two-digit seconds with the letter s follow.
10h24m30s
